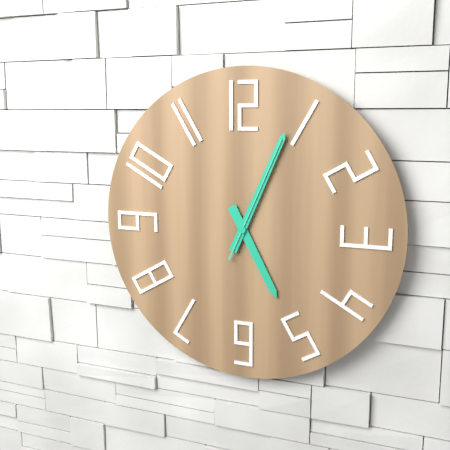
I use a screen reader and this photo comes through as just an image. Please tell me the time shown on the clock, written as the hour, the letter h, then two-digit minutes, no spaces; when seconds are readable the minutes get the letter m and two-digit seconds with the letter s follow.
5h04m04s
